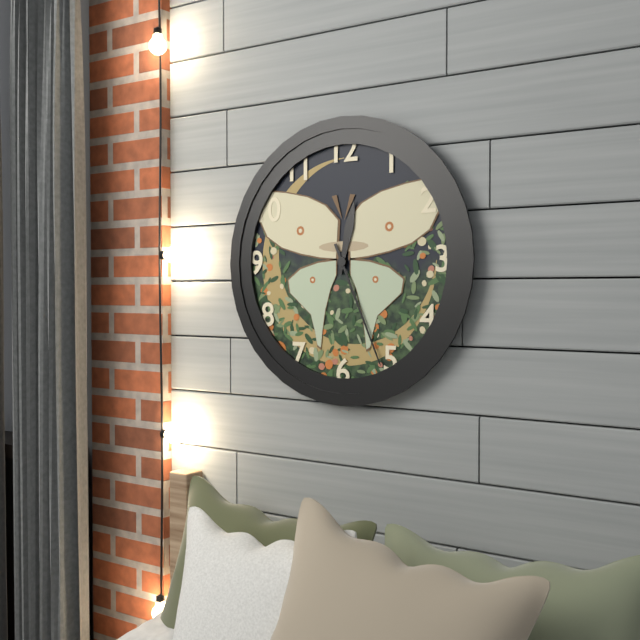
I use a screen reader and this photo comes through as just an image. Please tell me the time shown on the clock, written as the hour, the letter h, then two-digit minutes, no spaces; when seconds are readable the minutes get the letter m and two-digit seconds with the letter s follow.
12h26
